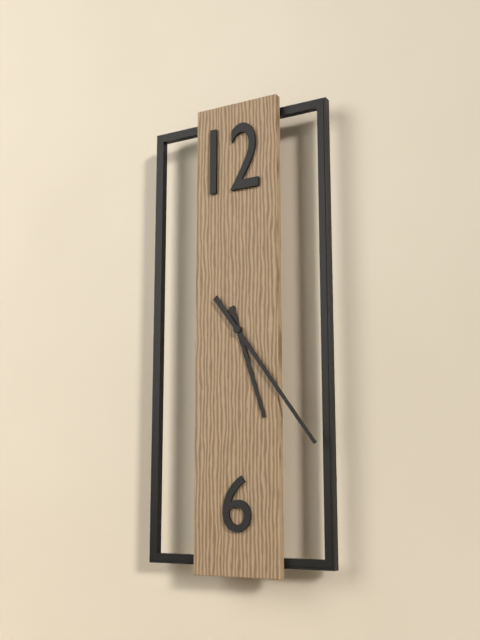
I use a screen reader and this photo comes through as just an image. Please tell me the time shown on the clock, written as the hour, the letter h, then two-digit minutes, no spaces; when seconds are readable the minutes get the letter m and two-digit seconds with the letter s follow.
5h24
